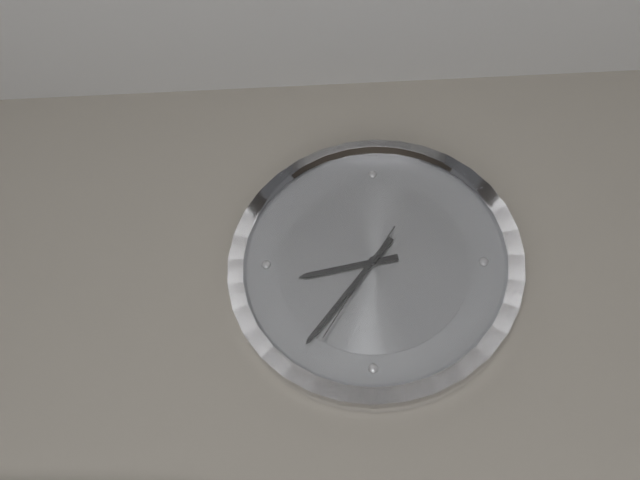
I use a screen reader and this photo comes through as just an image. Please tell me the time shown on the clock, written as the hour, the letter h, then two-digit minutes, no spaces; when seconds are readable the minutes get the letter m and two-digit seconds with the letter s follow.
8h36m35s
